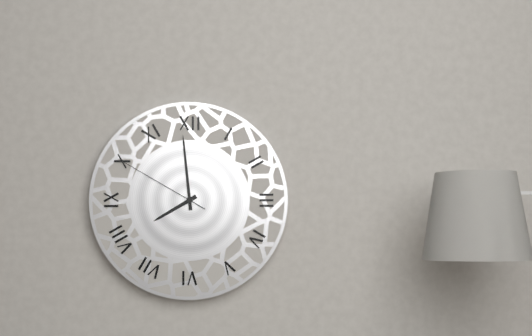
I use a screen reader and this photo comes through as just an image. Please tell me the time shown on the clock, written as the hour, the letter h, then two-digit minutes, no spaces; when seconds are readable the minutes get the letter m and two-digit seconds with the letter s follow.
7h59m50s
